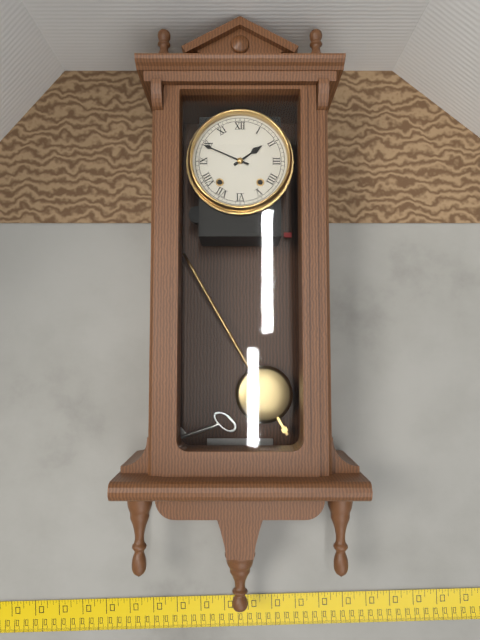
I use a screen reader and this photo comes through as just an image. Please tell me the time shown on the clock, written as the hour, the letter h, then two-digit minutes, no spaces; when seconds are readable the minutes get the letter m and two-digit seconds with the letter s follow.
1h49
